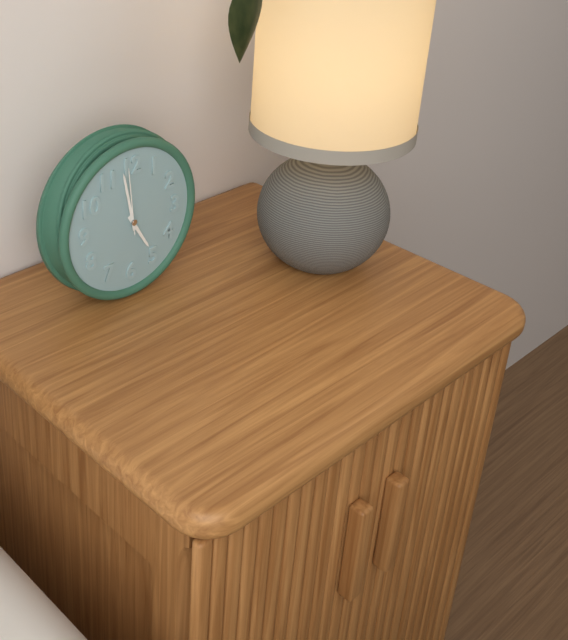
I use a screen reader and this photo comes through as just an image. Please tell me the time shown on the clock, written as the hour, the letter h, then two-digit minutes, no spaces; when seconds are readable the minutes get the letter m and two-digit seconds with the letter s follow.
4h58m59s
